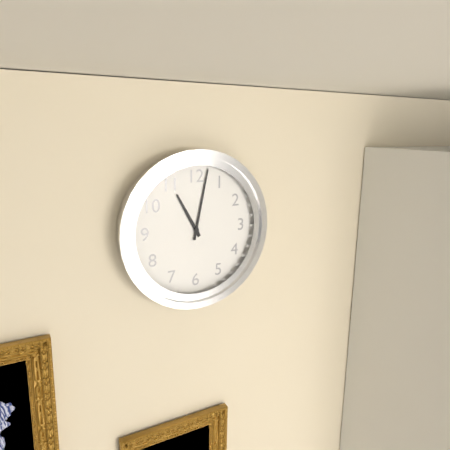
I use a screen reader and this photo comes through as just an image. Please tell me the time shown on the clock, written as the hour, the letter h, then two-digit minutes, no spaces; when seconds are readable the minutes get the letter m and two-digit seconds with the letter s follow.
11h02
